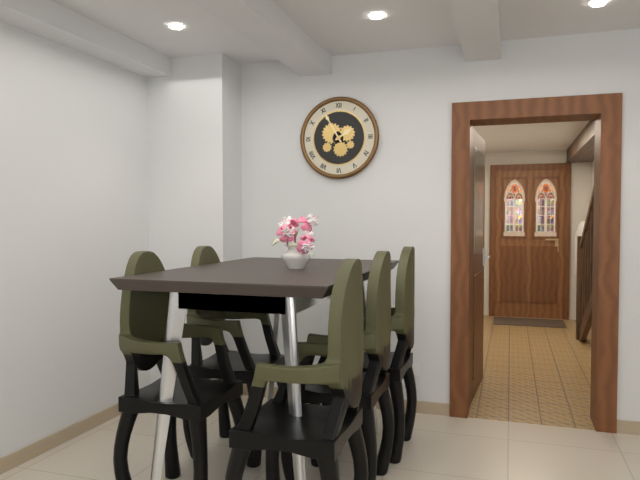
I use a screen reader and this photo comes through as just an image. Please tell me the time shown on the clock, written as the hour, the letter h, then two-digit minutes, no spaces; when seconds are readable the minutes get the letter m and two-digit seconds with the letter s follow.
1h55
